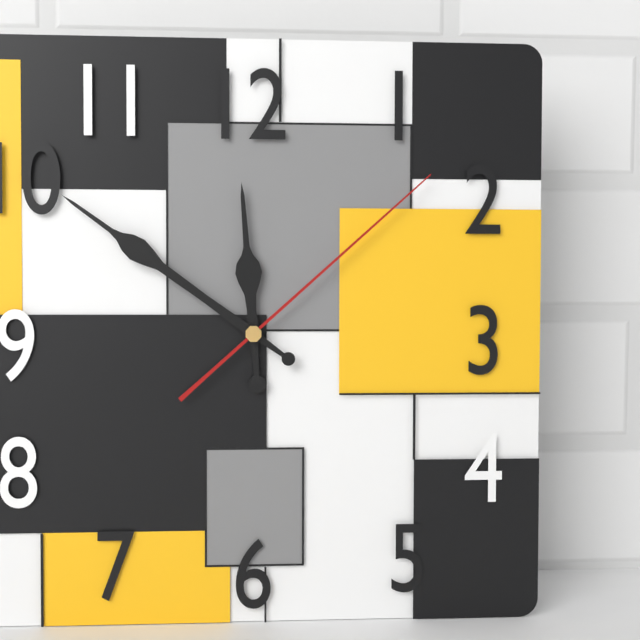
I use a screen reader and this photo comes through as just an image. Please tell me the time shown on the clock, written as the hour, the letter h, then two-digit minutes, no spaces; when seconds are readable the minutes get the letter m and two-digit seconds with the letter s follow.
11h51m08s
